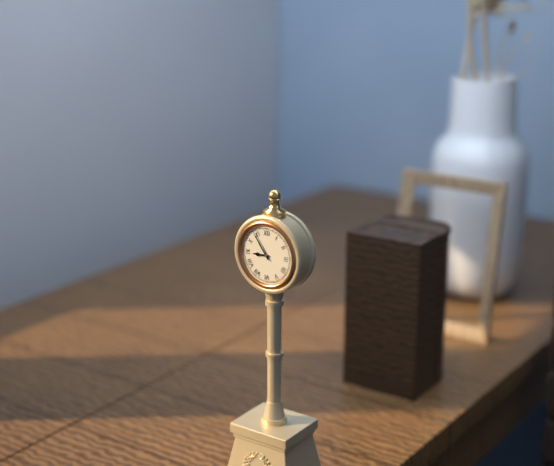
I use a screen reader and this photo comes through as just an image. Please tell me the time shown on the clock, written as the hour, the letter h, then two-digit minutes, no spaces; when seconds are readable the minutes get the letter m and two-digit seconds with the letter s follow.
8h54
